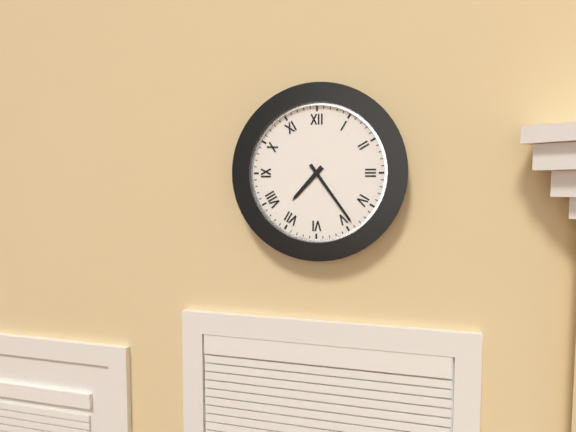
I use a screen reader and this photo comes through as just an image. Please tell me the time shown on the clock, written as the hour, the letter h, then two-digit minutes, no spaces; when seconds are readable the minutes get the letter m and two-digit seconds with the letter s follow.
7h24
